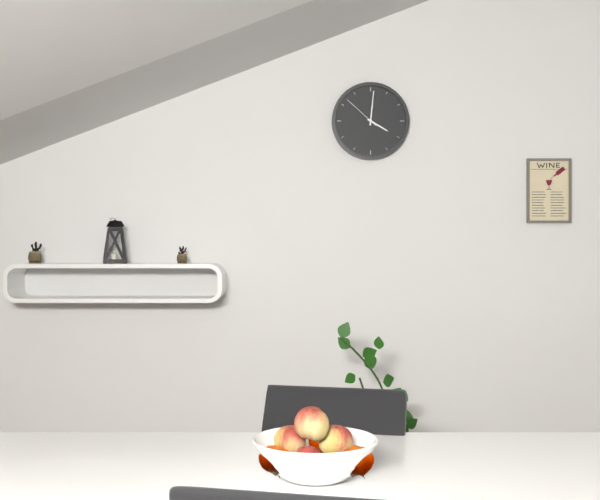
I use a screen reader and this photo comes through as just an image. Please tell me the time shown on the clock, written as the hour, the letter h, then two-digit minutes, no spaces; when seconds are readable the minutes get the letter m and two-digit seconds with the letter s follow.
4h01
